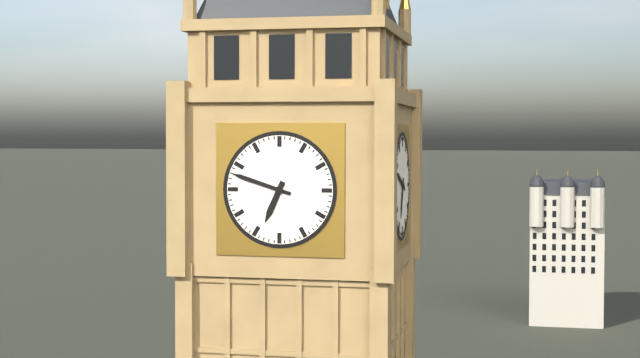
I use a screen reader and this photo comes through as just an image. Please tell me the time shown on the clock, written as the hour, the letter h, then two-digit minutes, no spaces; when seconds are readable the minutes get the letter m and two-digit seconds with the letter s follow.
6h48
